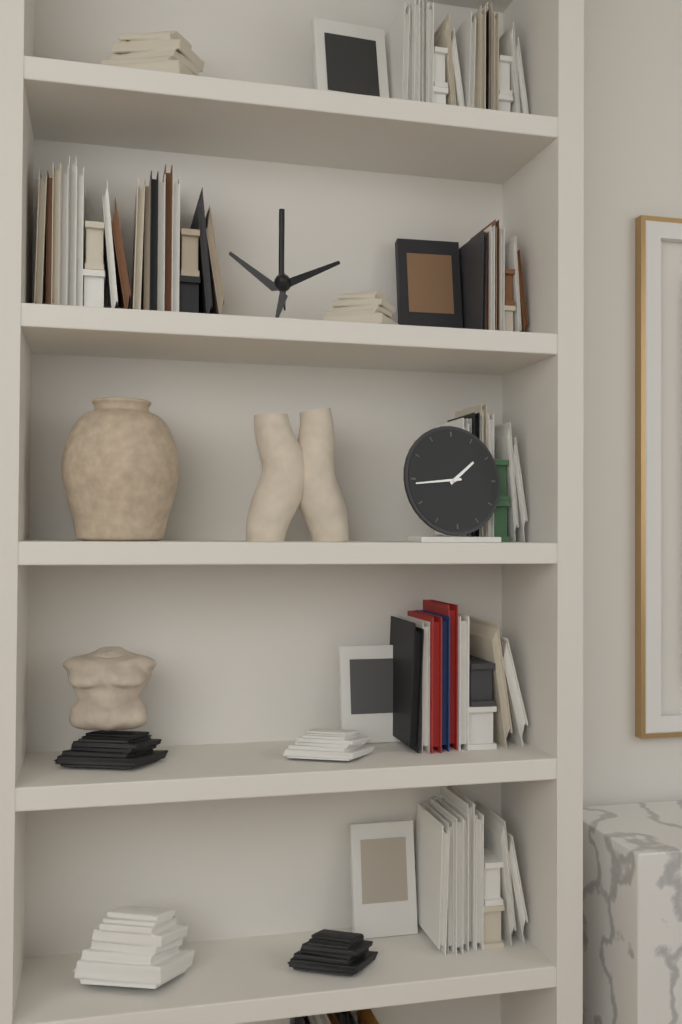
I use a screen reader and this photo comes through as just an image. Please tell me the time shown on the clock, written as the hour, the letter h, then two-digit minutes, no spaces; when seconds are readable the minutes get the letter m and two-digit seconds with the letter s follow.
1h44
